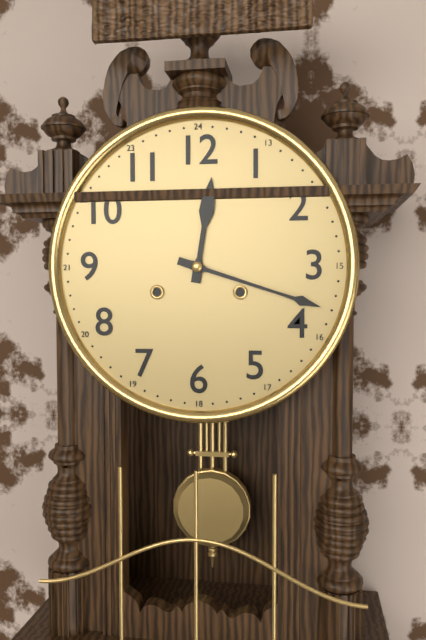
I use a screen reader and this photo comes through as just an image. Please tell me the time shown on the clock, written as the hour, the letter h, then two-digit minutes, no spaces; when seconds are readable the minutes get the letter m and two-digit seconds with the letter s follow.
12h18
